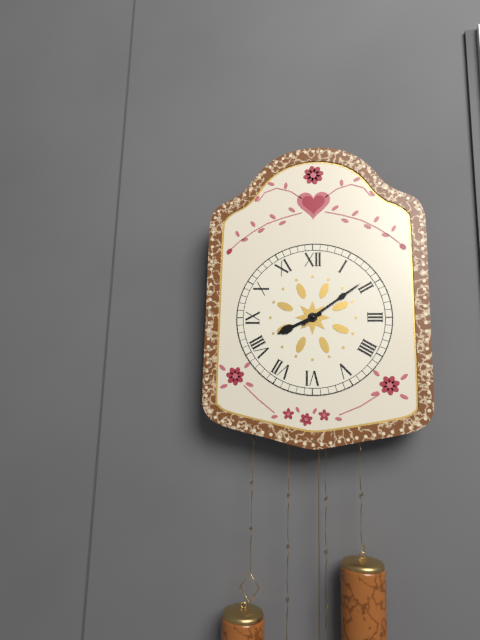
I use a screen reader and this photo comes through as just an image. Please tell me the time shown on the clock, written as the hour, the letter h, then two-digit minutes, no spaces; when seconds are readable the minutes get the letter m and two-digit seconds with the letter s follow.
8h09
